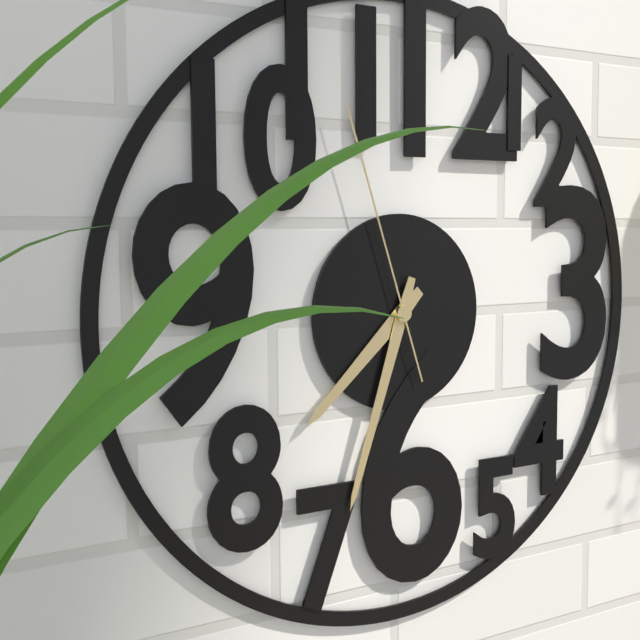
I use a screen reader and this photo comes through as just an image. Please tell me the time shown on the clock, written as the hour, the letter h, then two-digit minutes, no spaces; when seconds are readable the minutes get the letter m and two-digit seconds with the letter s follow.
7h33m57s
